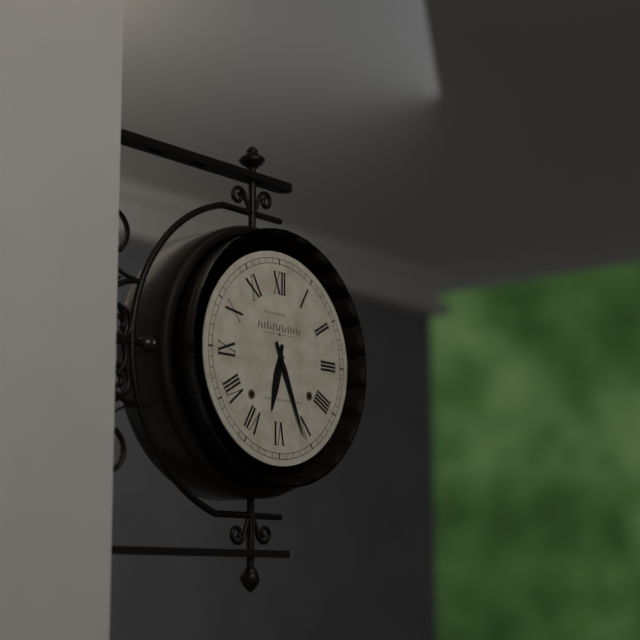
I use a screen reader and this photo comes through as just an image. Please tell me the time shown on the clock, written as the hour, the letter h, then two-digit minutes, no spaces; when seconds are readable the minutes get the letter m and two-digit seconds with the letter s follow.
6h26
